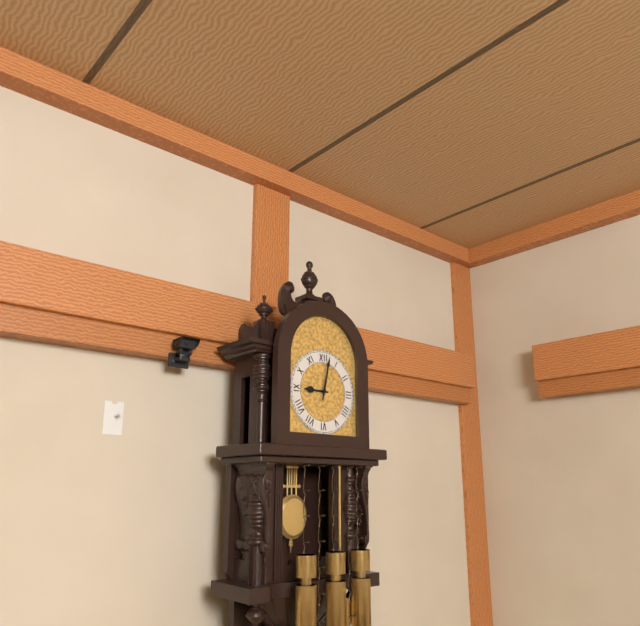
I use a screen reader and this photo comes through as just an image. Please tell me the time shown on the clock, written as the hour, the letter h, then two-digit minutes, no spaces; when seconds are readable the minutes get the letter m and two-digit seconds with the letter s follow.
9h02
